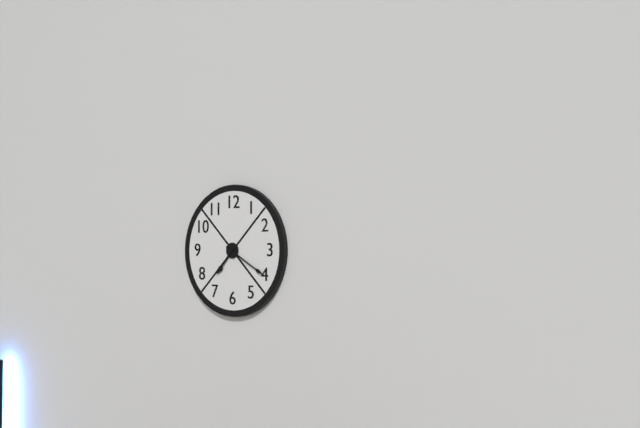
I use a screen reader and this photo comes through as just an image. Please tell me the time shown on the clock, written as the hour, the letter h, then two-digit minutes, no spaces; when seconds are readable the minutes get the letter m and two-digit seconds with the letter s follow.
7h20
